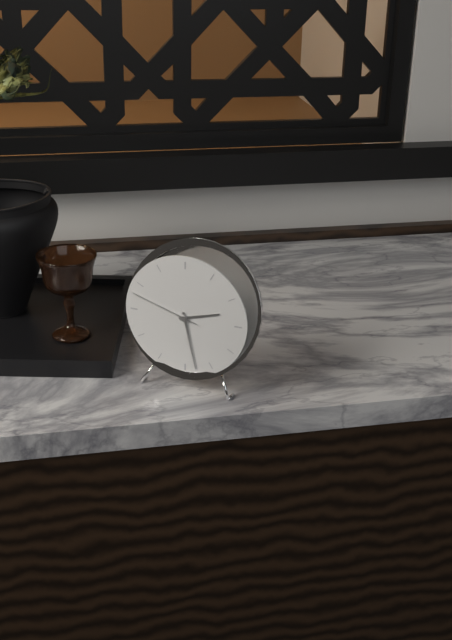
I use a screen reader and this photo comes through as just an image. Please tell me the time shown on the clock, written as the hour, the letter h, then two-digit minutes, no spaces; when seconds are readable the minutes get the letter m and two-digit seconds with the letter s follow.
2h28m48s
